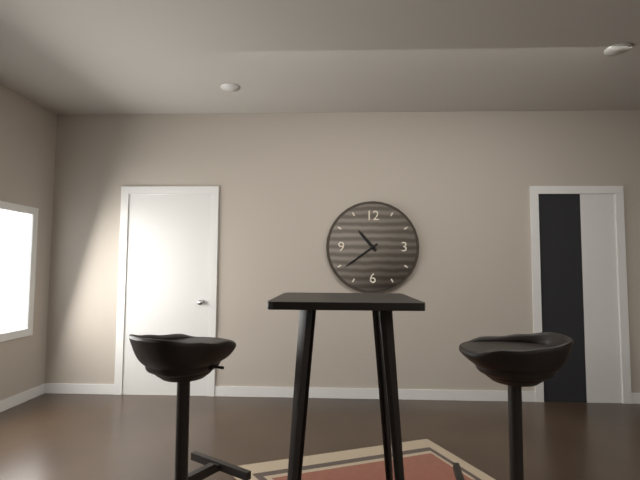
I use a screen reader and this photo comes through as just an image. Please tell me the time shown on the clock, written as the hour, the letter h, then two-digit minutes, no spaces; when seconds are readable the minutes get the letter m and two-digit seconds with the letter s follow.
10h39
